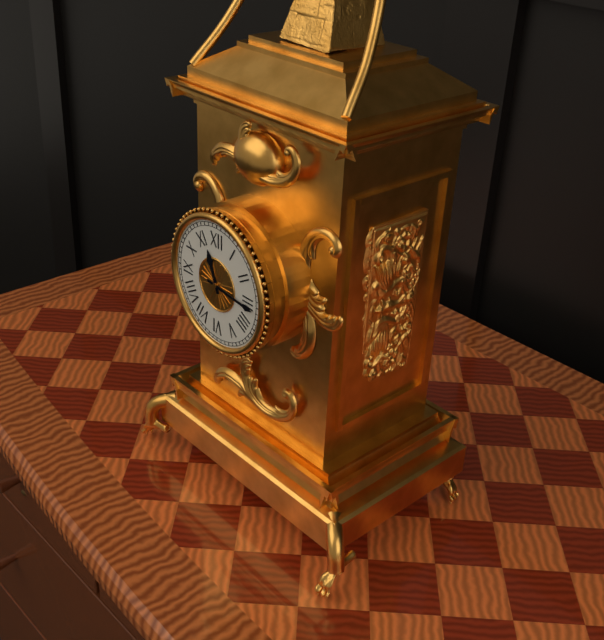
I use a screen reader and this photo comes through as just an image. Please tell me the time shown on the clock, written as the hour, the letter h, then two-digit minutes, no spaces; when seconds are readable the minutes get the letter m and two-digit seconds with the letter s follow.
11h16
